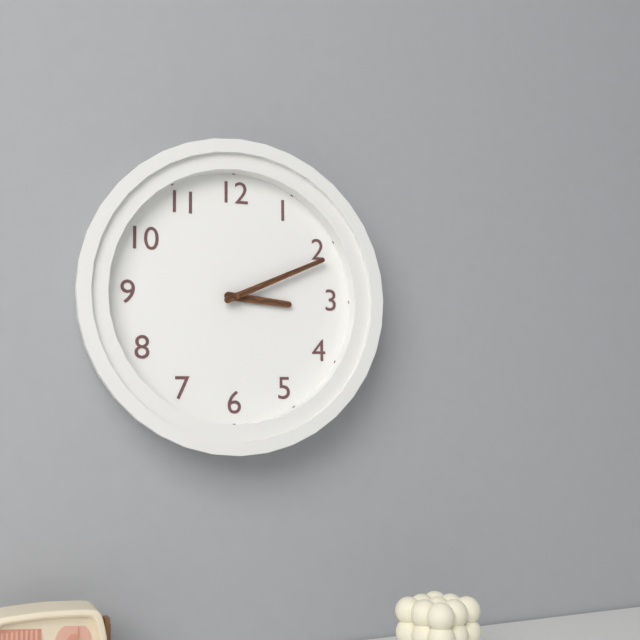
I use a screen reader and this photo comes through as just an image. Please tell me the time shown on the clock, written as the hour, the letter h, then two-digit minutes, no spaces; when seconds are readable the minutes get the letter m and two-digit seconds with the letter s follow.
3h11
